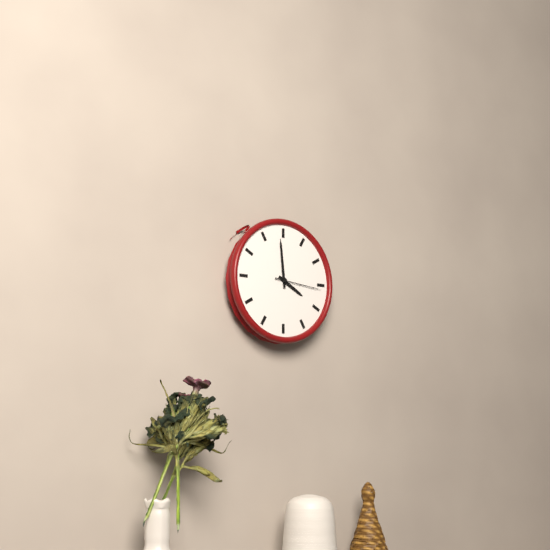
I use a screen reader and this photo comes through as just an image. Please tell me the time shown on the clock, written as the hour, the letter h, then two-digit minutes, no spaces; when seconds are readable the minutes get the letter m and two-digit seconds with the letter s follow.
3h59
